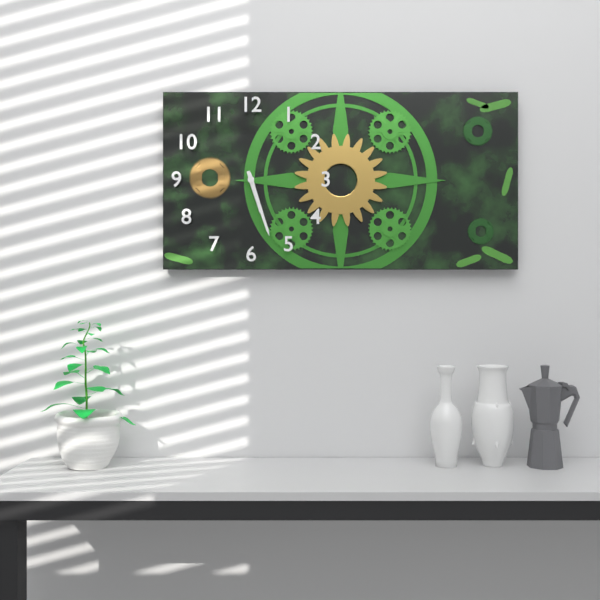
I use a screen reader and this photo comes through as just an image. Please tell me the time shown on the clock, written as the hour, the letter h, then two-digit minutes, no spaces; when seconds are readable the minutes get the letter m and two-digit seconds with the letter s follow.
5h27
